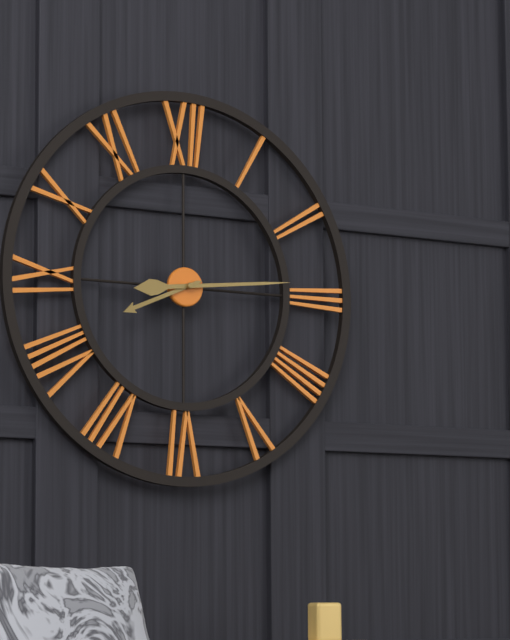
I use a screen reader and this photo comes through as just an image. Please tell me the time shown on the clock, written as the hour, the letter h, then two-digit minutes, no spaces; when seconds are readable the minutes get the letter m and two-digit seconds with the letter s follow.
8h14
